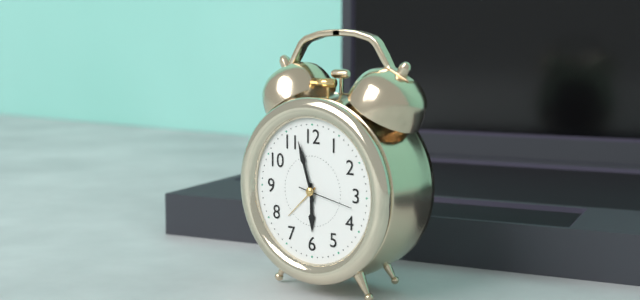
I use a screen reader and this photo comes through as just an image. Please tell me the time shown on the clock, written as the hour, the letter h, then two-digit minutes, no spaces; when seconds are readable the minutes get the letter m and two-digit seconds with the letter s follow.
5h57m17s
